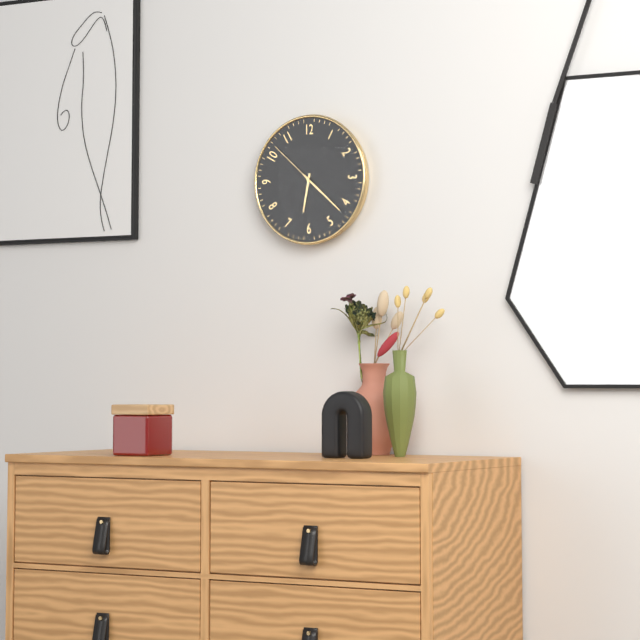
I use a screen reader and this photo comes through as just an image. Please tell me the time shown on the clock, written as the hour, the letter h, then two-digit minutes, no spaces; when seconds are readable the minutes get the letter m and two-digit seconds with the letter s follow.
6h22m52s
